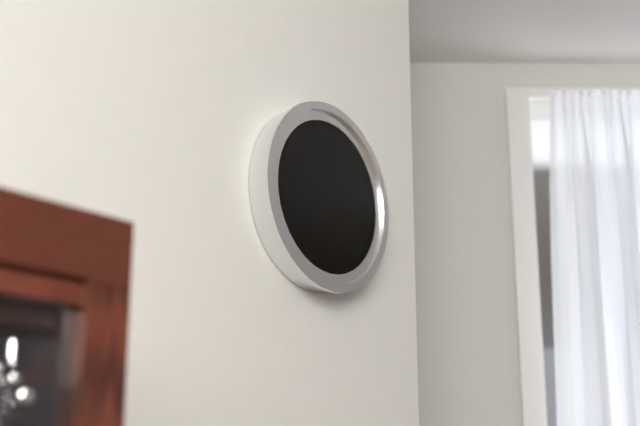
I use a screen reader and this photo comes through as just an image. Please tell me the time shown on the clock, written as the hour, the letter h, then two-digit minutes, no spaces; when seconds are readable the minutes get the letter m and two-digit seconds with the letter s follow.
9h05m58s
